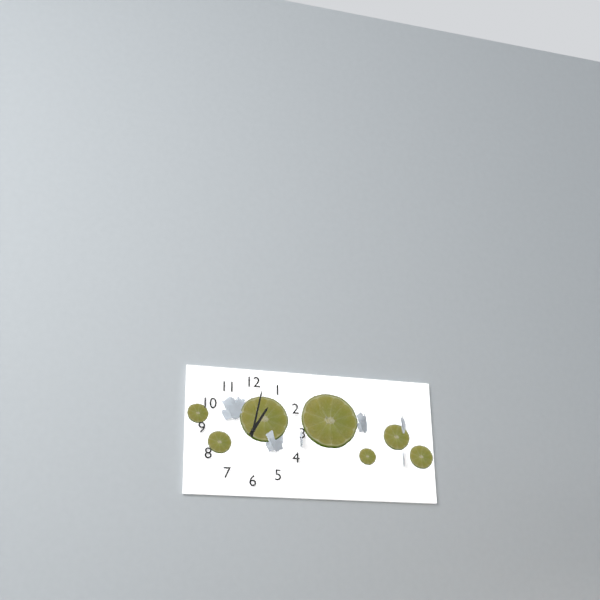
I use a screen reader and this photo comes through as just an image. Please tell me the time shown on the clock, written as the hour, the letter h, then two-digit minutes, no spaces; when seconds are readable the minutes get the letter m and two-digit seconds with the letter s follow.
1h02
